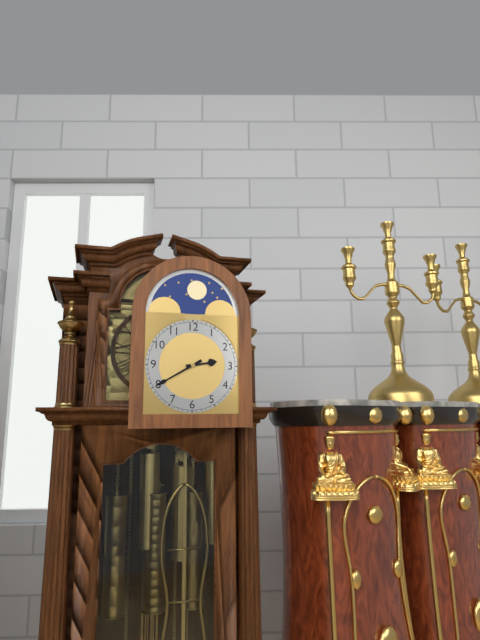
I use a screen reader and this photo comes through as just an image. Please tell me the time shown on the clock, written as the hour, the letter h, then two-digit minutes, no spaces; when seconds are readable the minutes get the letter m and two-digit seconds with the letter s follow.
2h40
